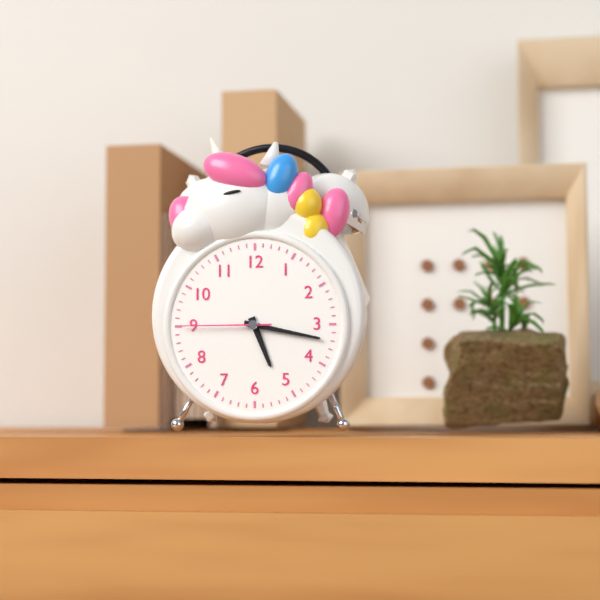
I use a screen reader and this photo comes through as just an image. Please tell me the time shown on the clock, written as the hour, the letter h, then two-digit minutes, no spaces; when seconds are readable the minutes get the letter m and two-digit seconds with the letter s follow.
5h17m45s
